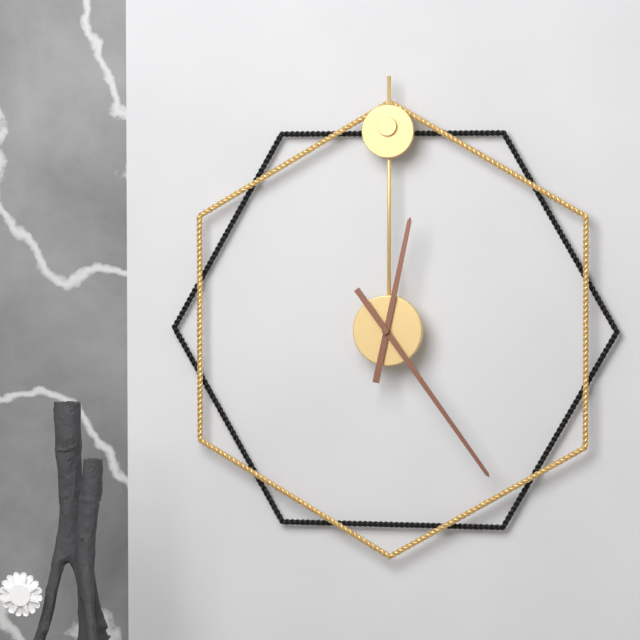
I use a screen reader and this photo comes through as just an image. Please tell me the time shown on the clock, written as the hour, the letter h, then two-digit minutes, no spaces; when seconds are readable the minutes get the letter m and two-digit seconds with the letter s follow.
12h24
